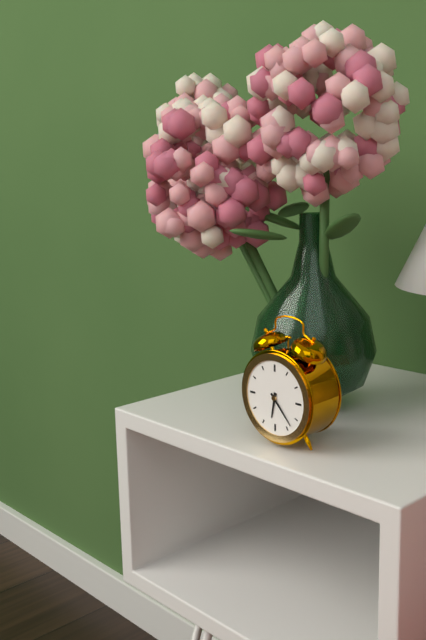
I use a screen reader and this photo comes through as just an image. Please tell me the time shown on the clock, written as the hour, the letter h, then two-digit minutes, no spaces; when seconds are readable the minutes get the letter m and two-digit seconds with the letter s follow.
6h23
